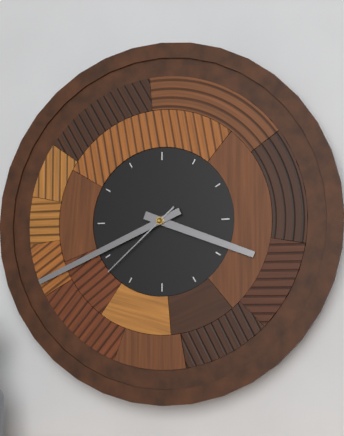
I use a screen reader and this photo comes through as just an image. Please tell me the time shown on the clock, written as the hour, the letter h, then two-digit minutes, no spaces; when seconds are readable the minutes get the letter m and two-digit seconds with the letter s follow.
3h41m38s
